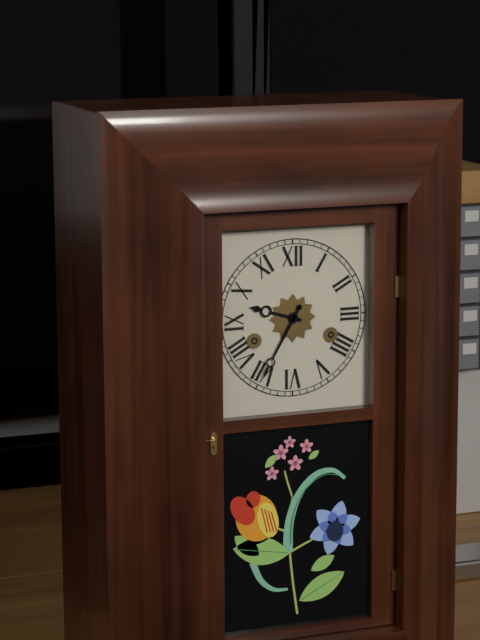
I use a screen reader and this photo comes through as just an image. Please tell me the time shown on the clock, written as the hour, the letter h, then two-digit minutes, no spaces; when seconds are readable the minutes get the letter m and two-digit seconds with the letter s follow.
9h35
